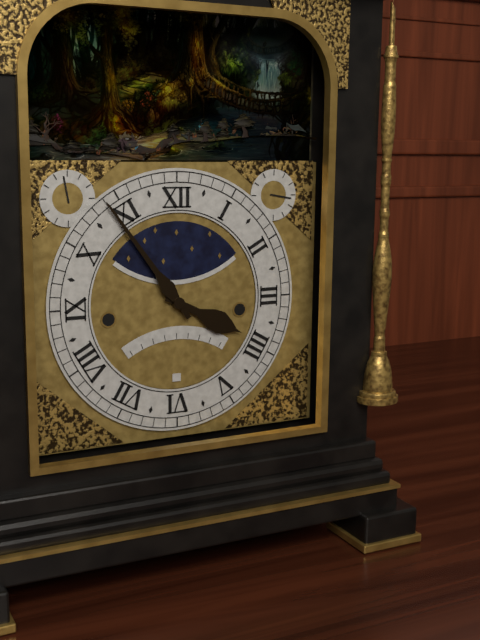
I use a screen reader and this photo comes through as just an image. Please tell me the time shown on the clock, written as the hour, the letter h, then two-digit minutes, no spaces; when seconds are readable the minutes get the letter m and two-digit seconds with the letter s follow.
3h54
